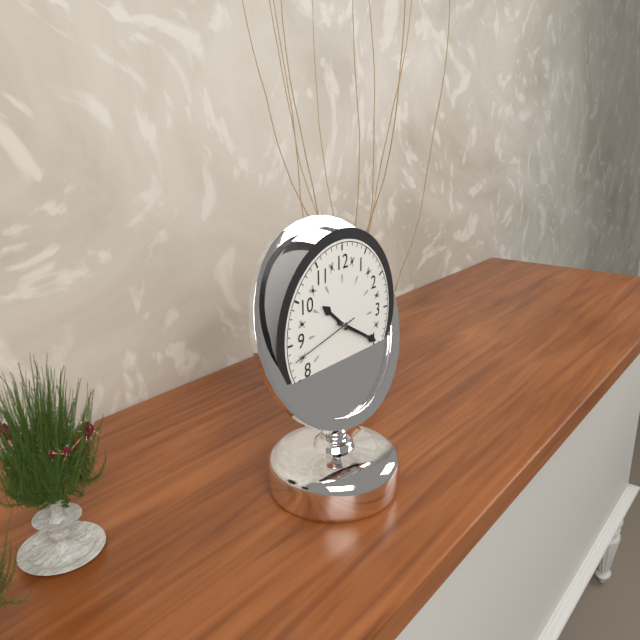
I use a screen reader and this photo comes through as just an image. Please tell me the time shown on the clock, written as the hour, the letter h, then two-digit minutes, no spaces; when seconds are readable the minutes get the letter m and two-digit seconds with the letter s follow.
10h20m43s
